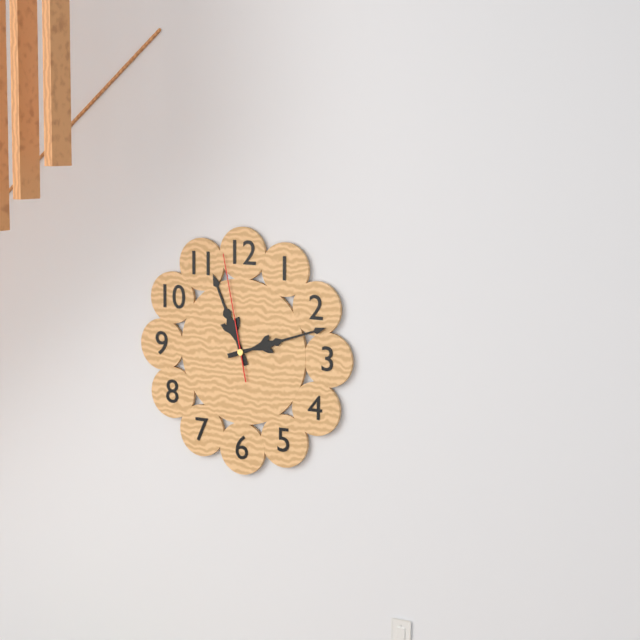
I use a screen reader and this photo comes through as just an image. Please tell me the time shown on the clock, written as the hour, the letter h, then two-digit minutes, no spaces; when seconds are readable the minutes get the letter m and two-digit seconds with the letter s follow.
11h12m58s
